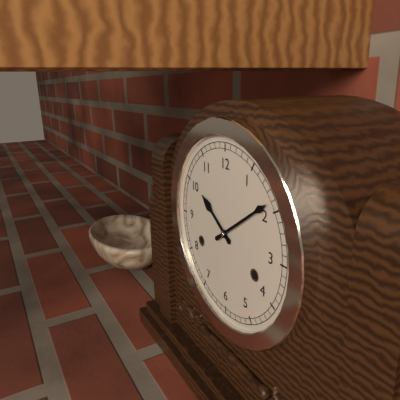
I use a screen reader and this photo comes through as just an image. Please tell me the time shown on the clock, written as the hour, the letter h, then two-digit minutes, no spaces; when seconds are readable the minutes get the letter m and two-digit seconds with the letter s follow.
10h09
